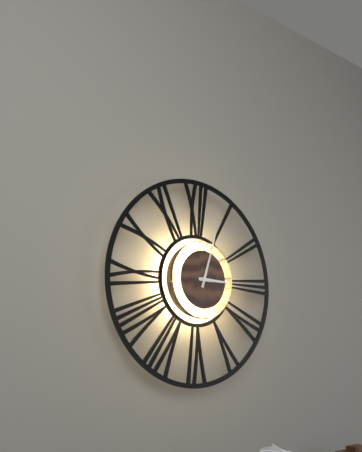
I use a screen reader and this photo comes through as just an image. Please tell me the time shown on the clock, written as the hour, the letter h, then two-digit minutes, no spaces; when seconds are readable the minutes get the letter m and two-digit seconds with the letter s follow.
3h03
